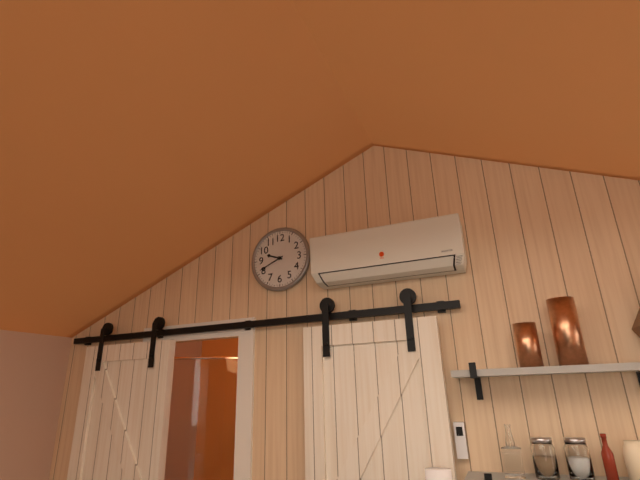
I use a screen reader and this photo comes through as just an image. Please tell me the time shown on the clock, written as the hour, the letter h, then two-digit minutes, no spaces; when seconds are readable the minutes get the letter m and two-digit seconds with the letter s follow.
9h41
